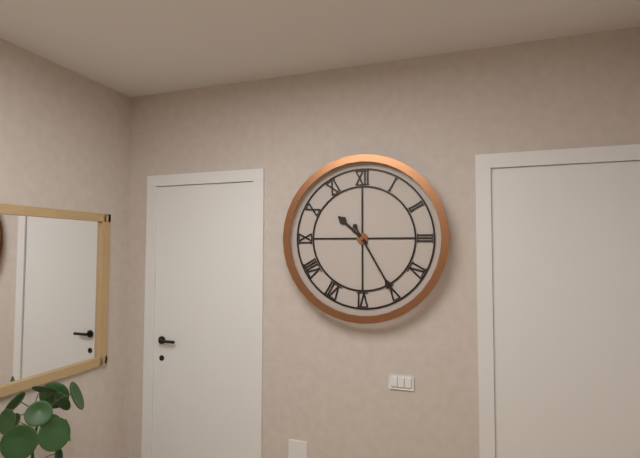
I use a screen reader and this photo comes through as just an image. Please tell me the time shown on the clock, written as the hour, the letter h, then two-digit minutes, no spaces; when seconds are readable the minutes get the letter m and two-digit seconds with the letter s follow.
10h25
